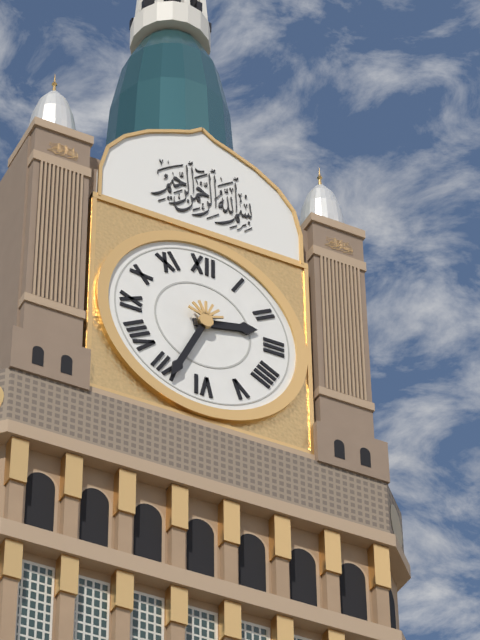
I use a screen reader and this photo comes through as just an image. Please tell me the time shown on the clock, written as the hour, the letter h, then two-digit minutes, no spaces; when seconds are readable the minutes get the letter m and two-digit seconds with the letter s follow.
2h34
